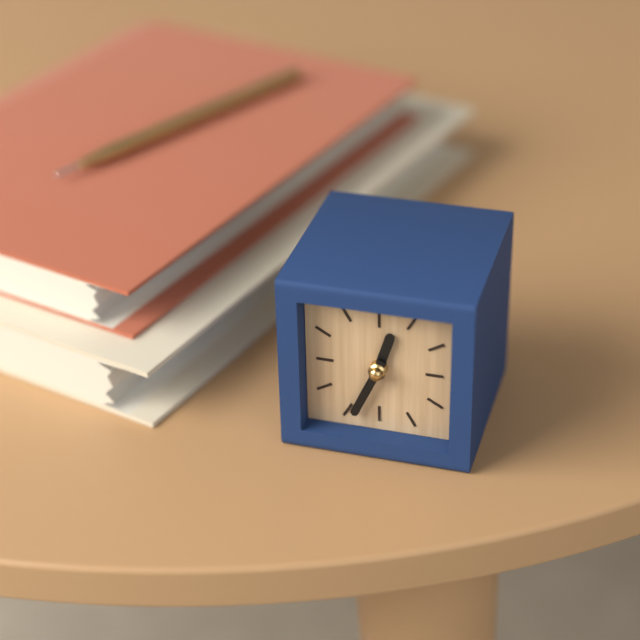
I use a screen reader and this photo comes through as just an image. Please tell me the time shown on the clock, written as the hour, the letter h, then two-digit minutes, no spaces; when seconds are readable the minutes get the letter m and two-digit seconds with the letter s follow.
12h34
